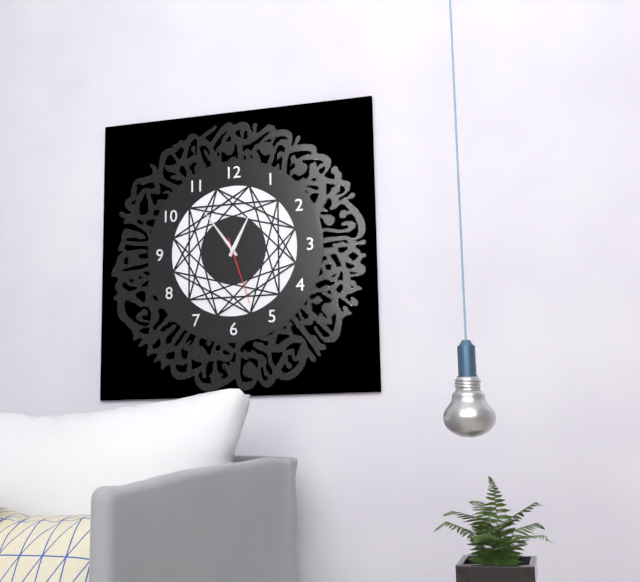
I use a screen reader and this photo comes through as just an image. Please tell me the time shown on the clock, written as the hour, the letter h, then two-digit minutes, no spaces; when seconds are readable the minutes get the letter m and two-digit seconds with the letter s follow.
12h54m27s
